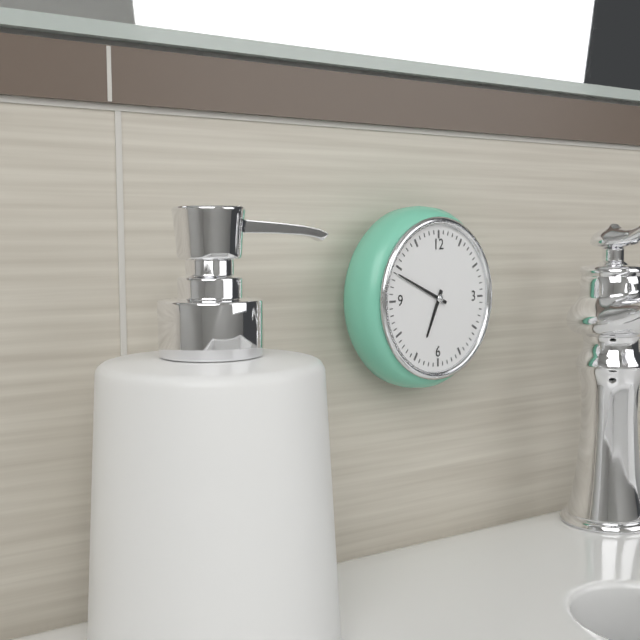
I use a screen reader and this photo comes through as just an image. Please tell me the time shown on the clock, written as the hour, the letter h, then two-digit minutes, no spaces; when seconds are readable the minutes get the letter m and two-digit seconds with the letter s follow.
6h49
